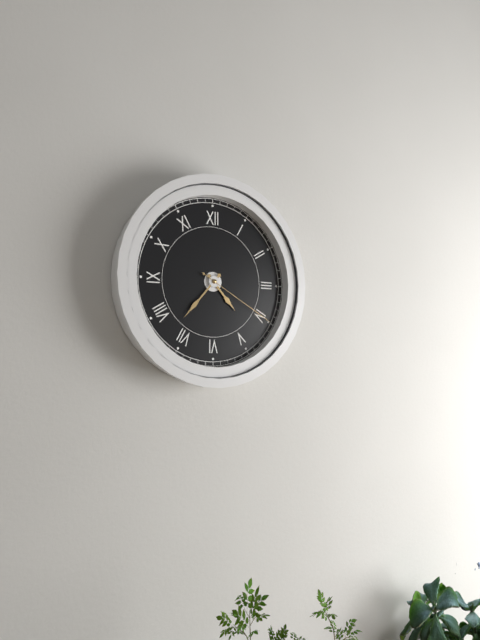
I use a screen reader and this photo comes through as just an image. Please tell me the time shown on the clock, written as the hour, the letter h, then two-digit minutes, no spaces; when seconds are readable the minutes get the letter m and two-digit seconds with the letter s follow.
4h37m20s
